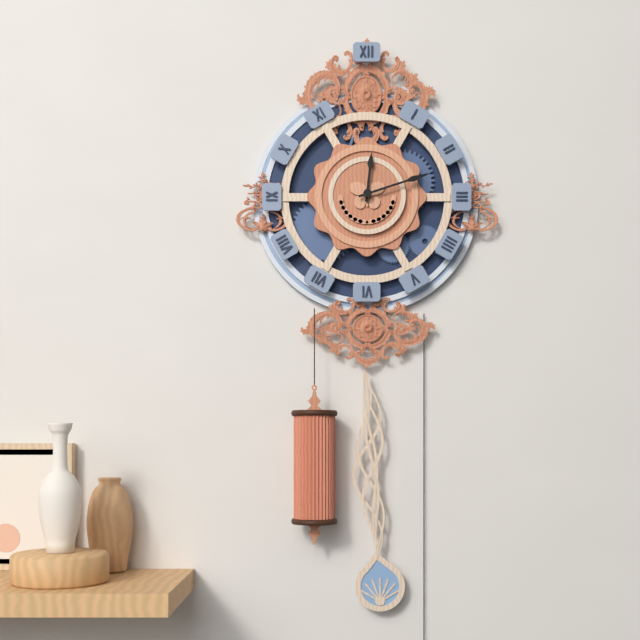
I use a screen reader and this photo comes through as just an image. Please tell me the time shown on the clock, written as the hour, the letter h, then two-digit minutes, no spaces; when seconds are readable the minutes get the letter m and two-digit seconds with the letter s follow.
12h12
